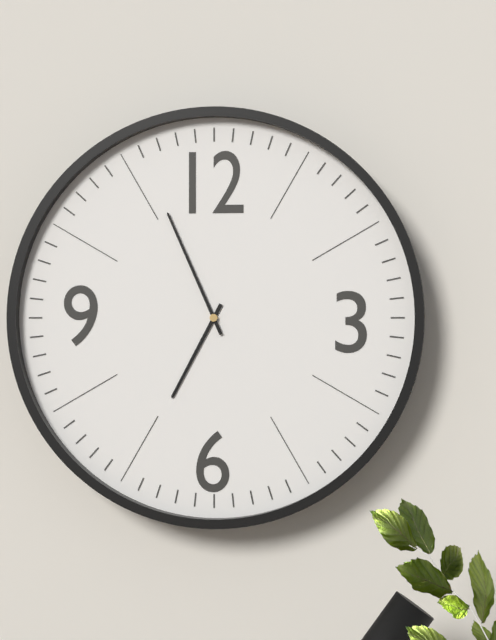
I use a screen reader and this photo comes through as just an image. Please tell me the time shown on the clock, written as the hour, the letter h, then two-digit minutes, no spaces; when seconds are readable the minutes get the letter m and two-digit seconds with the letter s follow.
6h56
